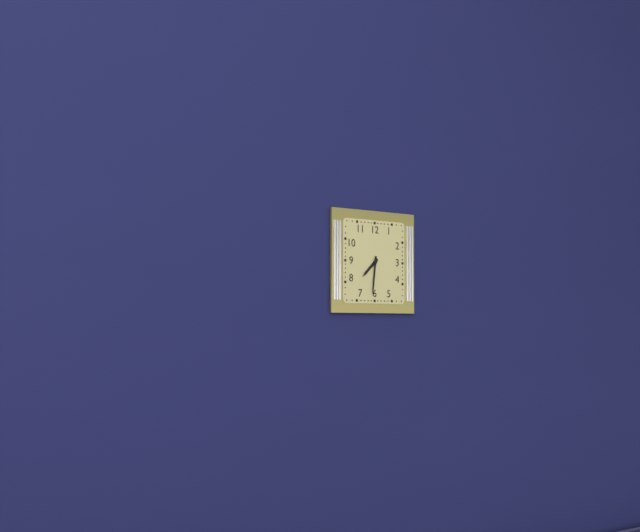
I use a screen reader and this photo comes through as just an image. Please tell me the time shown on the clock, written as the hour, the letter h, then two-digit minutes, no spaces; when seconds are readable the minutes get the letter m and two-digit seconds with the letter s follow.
7h31
